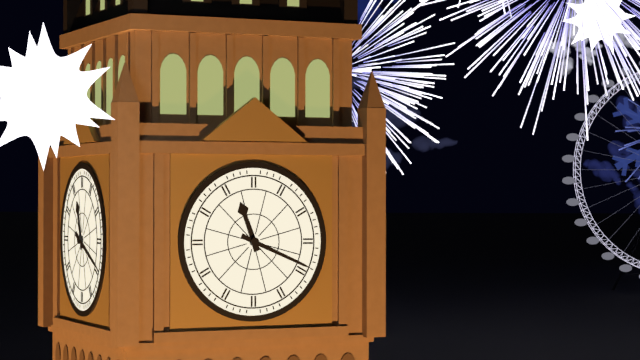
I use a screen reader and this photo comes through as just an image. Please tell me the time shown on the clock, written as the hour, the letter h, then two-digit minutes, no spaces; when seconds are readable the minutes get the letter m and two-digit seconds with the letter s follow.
11h19
